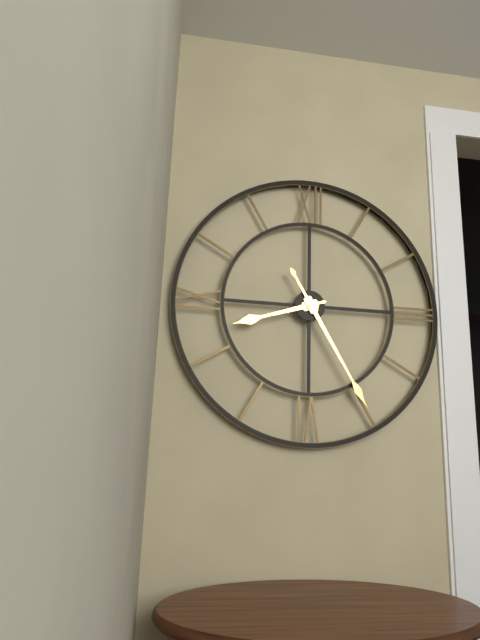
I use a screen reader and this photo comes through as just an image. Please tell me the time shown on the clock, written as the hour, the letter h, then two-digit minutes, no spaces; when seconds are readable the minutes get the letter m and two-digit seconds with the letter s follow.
8h25
